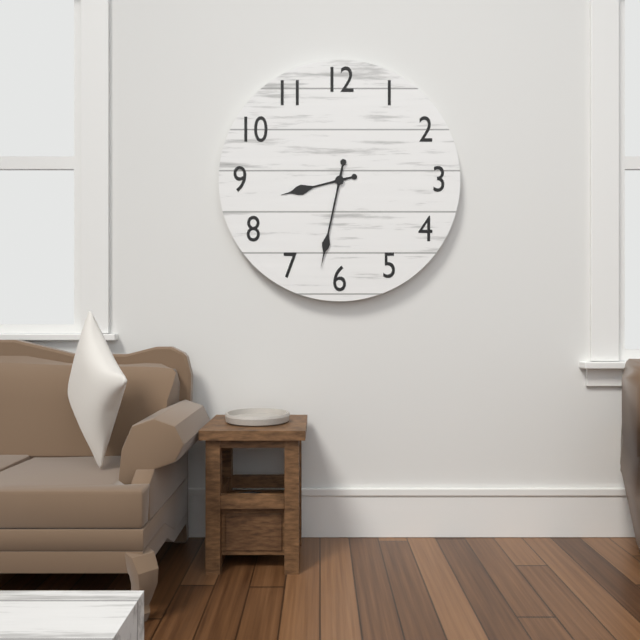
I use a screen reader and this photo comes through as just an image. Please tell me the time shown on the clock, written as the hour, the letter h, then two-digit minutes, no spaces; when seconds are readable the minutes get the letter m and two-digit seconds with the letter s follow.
8h32
